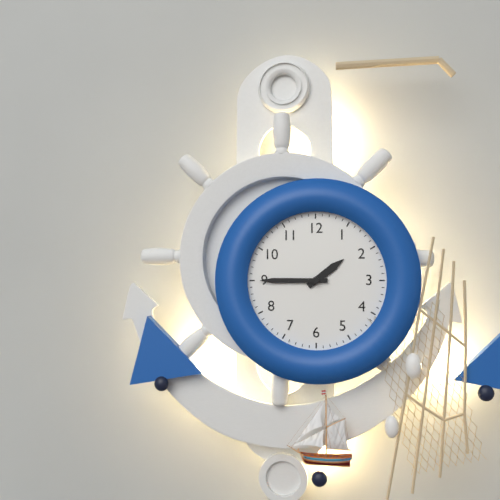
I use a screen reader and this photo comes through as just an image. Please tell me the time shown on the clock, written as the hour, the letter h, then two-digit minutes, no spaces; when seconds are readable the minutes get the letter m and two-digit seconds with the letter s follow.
1h45
